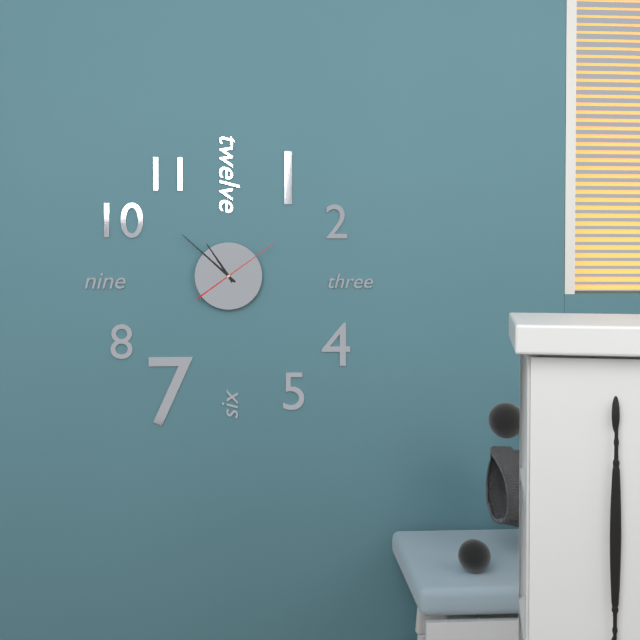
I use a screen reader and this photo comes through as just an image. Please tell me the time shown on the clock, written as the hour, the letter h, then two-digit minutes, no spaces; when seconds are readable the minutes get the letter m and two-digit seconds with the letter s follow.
10h52m09s
